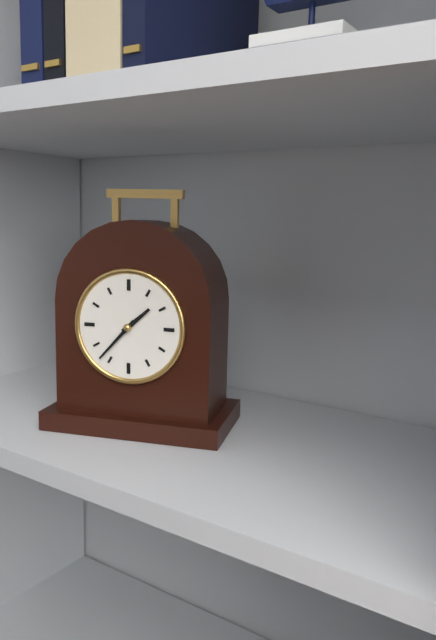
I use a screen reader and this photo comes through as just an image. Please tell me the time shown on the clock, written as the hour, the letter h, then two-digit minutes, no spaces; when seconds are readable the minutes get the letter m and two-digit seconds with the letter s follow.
1h37
